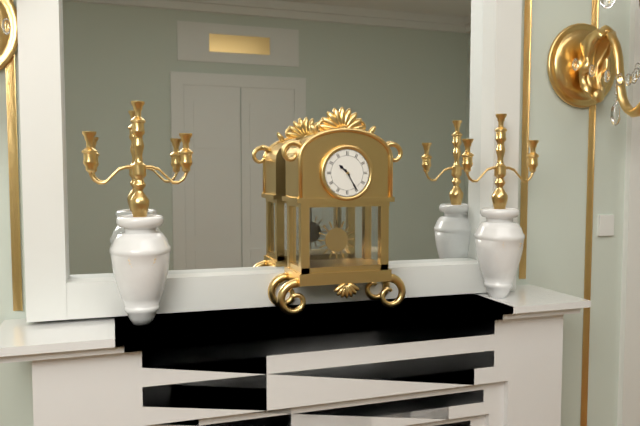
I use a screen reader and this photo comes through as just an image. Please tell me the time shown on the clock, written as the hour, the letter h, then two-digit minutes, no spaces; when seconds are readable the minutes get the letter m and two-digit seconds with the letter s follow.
10h25
